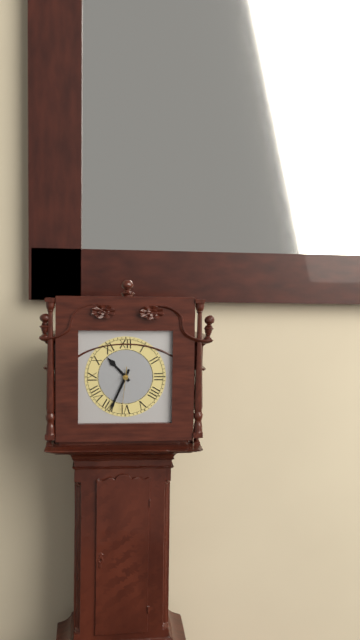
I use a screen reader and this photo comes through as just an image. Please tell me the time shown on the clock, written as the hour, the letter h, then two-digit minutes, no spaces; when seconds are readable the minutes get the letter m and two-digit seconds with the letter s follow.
10h34
